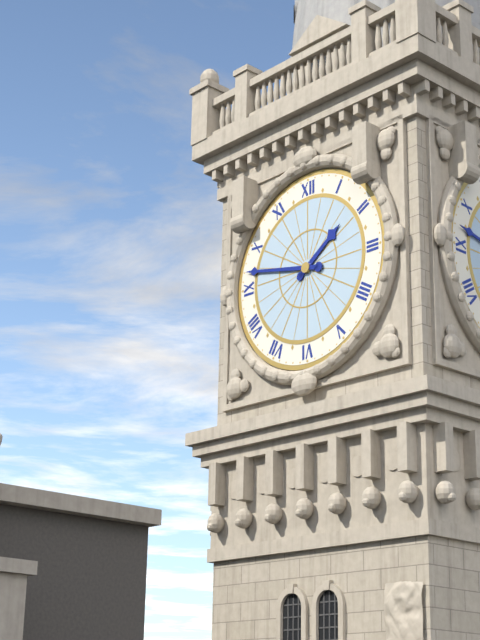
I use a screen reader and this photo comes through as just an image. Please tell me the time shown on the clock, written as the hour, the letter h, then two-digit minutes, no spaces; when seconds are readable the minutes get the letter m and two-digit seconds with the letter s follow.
1h47
